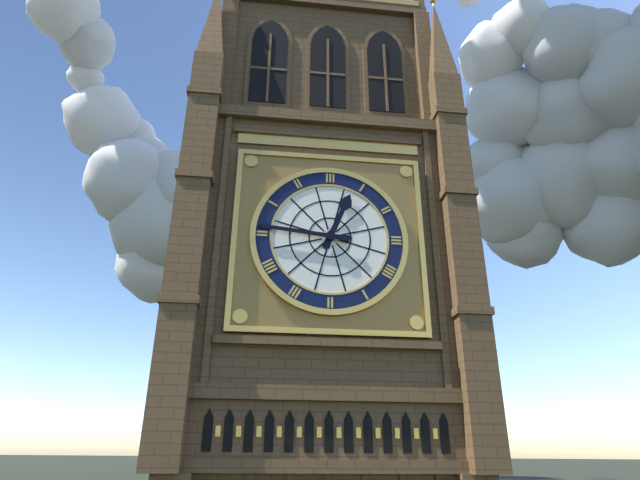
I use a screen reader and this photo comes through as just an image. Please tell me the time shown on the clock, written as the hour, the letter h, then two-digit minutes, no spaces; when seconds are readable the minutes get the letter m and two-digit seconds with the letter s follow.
12h46
